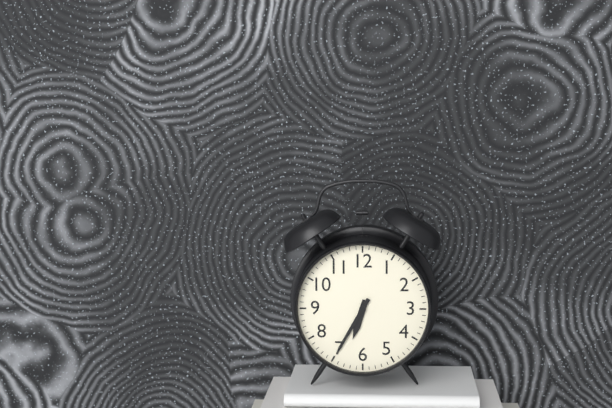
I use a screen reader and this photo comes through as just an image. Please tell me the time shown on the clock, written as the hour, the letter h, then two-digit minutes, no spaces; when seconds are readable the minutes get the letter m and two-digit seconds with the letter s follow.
6h35
